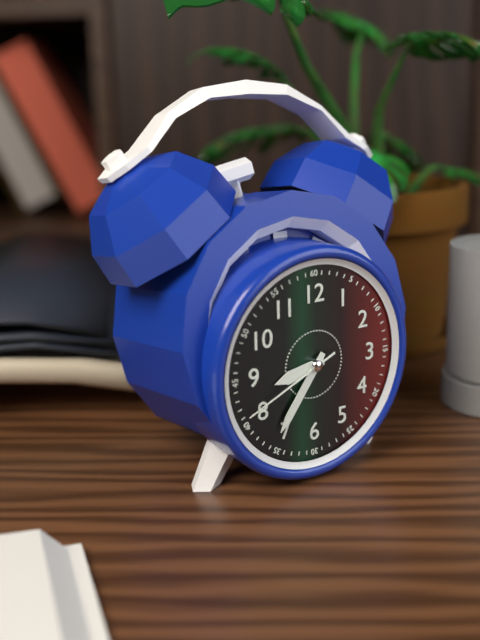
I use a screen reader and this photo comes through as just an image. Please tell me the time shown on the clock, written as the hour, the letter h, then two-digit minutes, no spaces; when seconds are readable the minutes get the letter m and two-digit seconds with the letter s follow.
8h36m41s
